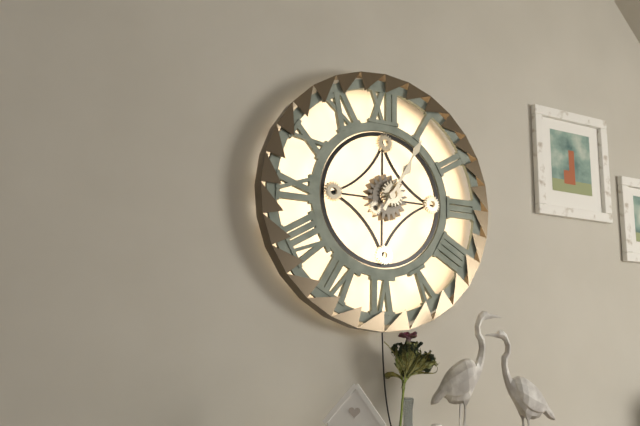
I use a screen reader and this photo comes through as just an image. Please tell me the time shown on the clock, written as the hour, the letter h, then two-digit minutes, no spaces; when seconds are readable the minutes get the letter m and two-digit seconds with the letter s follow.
1h05
